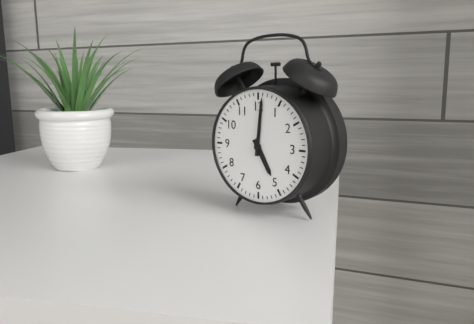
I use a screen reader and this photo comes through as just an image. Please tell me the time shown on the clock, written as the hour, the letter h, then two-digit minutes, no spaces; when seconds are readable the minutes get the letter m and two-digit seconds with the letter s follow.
5h01
